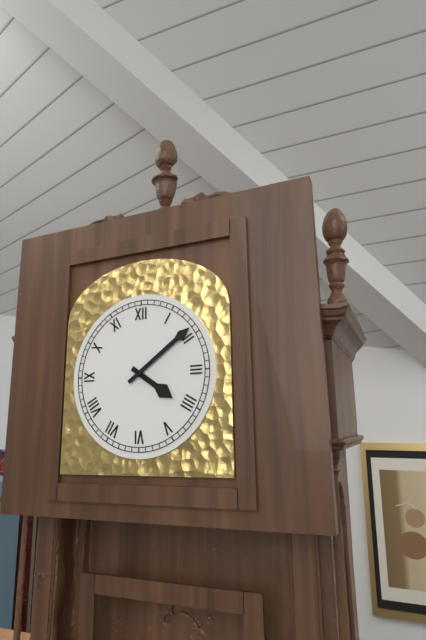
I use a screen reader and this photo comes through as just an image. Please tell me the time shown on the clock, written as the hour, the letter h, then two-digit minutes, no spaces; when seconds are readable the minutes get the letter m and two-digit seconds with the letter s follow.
4h09
